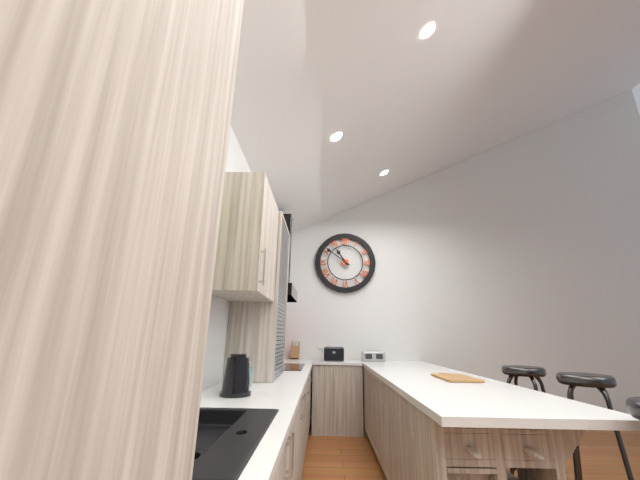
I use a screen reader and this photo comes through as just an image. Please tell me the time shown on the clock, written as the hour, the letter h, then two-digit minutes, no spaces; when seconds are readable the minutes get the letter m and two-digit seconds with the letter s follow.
10h51
